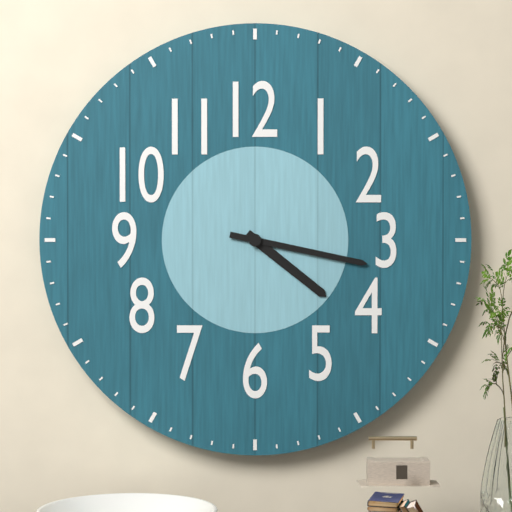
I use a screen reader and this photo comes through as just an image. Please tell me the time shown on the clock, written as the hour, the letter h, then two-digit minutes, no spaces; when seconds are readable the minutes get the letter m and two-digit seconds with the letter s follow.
4h17
